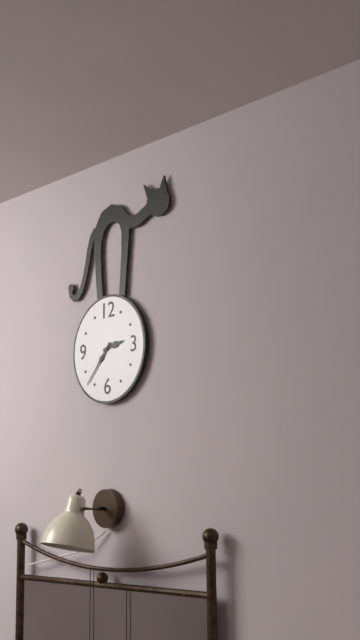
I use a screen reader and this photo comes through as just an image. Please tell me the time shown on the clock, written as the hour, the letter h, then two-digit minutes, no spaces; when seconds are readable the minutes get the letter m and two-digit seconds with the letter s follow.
2h37
